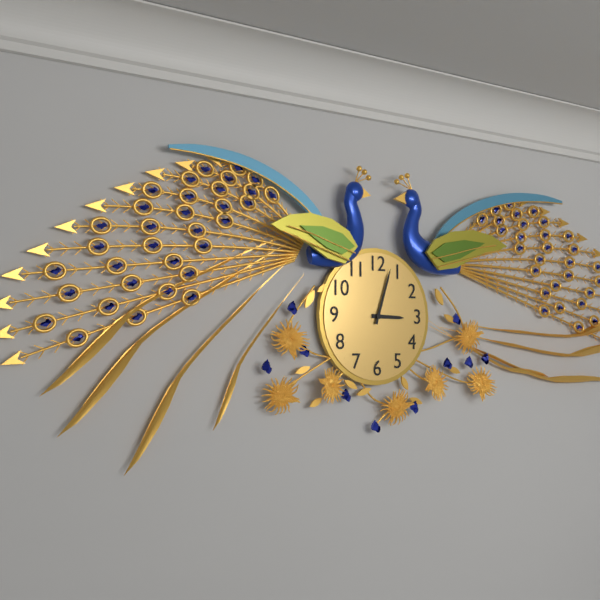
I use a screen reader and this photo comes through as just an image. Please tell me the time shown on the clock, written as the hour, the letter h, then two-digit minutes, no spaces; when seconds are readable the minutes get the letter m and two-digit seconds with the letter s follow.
3h03
